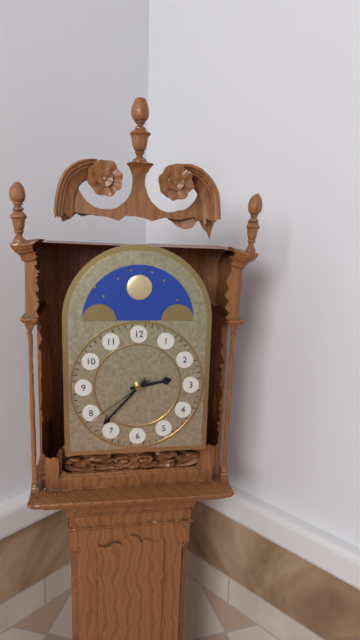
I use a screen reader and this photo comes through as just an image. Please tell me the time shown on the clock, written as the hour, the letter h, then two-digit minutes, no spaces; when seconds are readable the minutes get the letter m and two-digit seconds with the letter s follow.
2h37m39s
